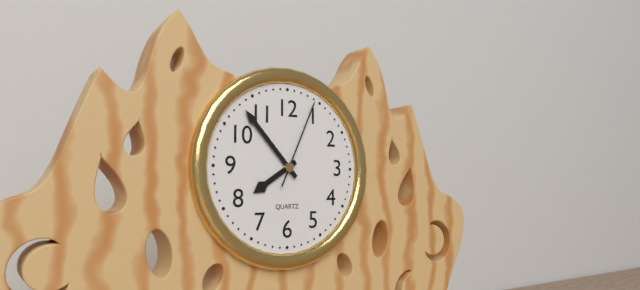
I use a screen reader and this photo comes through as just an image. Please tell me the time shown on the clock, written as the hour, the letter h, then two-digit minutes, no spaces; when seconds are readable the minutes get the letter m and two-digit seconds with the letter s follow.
7h53m04s
